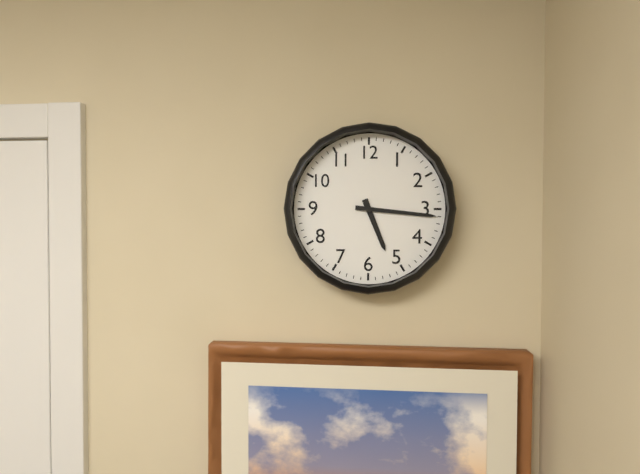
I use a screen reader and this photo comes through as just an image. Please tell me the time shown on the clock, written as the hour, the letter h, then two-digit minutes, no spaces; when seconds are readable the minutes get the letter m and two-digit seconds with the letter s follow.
5h16
